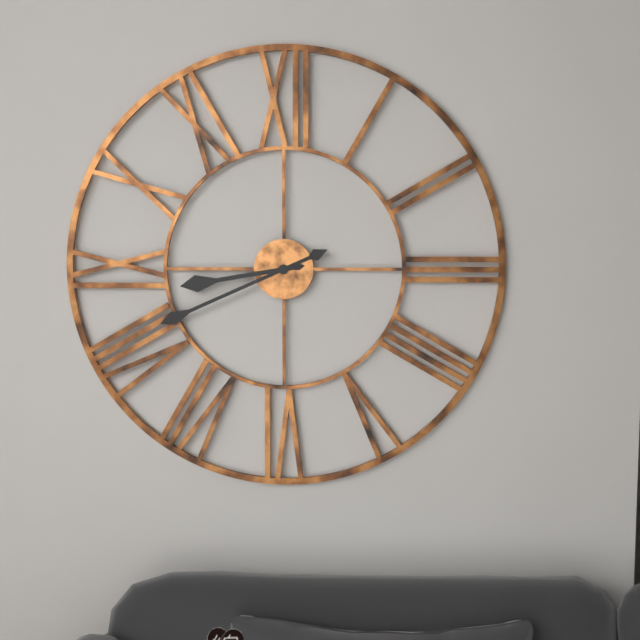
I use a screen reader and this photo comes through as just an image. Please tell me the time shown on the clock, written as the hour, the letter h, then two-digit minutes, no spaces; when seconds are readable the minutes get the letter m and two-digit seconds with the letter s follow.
8h41
